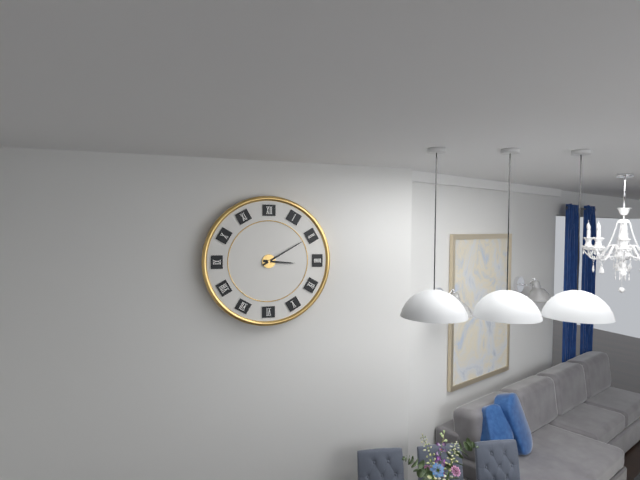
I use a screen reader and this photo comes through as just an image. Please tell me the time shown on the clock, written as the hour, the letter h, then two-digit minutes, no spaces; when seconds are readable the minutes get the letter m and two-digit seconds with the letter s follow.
3h10
